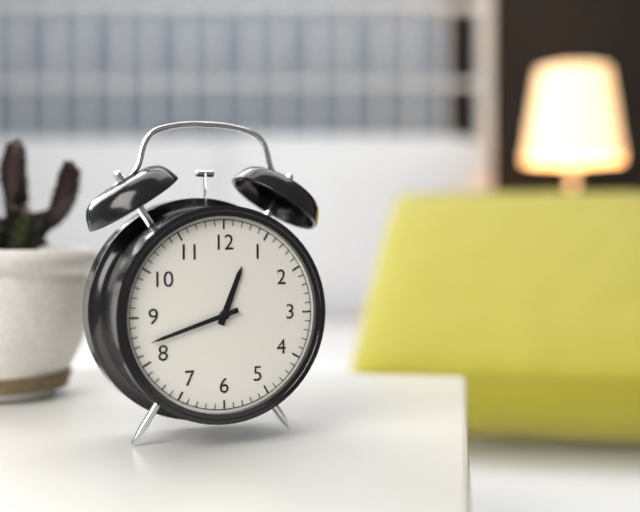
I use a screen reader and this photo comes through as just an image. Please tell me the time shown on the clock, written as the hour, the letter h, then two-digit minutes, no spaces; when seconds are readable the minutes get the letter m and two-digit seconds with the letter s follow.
12h42
